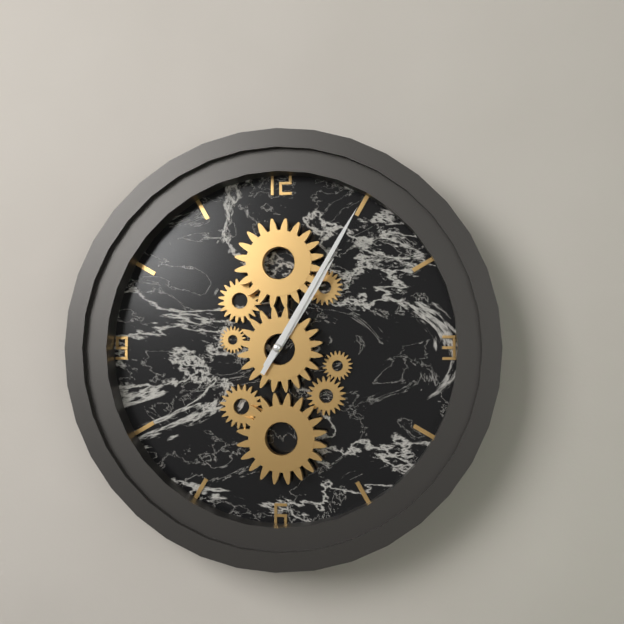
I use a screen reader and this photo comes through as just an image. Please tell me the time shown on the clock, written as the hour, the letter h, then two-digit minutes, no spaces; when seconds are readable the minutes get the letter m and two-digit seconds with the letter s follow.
1h05
